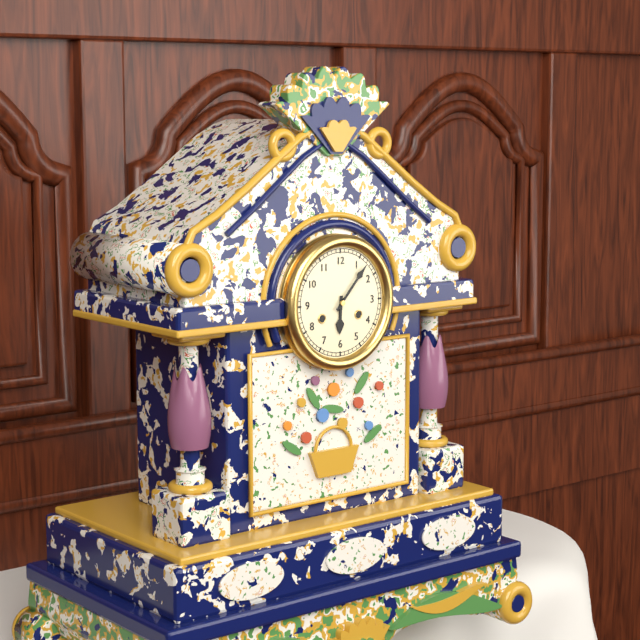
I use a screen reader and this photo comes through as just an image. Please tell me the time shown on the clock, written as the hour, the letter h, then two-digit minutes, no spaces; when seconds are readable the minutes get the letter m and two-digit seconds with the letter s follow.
6h07
